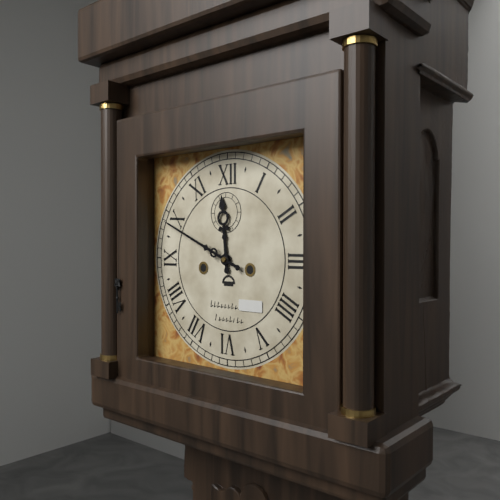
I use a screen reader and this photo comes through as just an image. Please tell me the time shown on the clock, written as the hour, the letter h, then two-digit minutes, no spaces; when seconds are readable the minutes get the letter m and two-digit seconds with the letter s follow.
11h49
